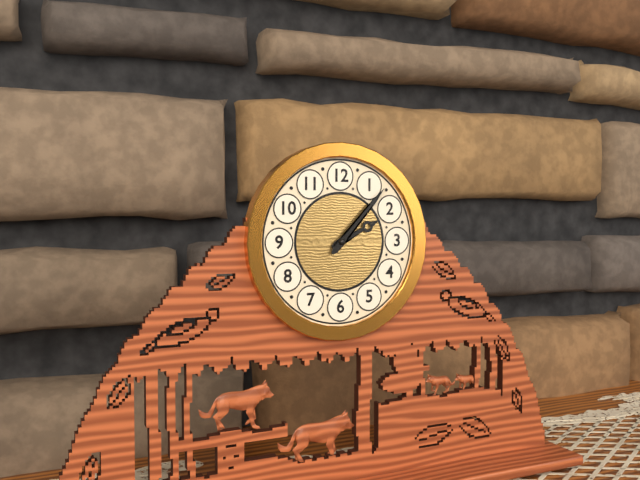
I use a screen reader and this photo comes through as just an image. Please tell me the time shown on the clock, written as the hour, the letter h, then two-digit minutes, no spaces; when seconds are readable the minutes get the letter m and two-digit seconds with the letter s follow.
2h07
